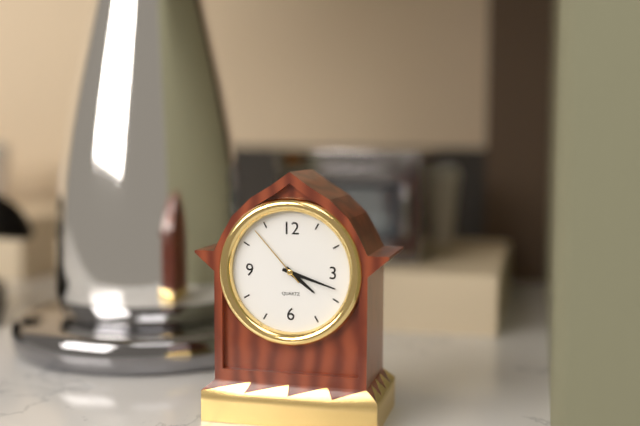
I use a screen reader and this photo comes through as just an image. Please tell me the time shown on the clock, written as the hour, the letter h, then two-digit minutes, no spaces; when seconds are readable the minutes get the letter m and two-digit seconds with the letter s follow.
4h18m53s
